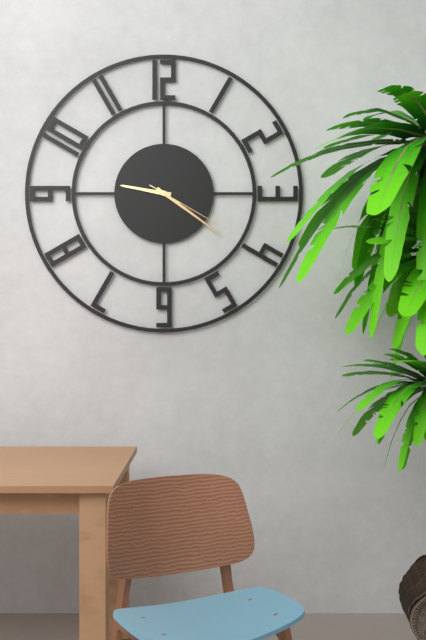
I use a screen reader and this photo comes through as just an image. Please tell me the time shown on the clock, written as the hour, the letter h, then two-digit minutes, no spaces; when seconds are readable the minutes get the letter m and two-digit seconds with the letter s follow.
9h21m20s
